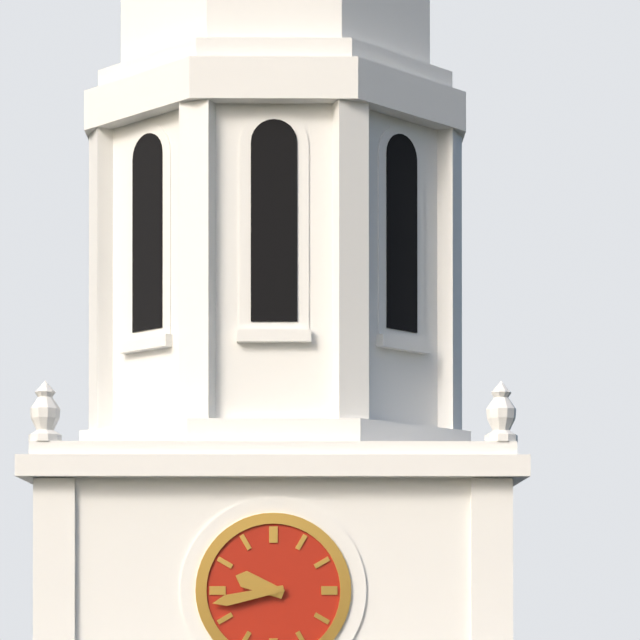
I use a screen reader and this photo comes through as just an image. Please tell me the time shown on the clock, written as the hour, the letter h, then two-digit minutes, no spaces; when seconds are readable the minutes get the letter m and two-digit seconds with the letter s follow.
9h43
